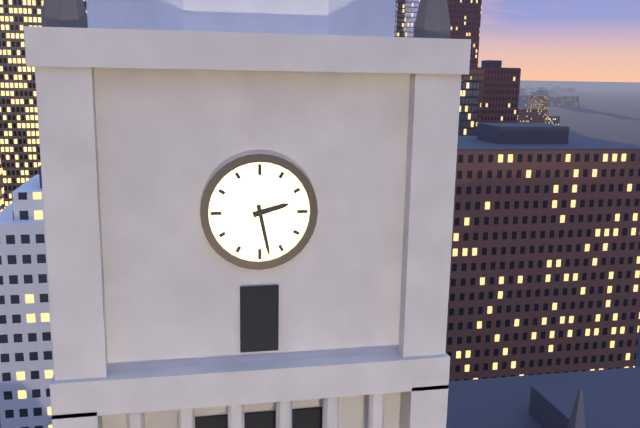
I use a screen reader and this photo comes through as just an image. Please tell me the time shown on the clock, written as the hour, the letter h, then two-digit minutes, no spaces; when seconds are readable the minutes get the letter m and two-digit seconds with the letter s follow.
2h28
